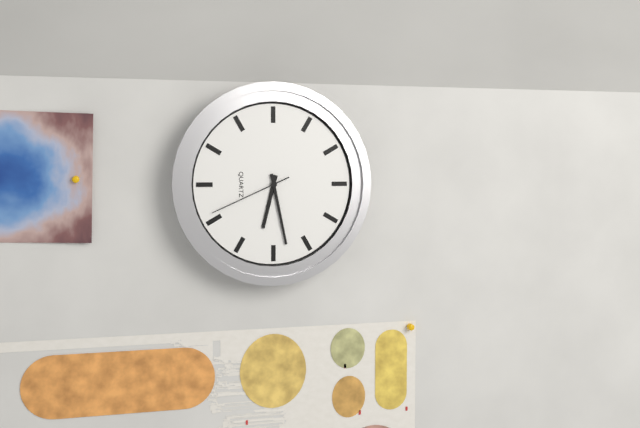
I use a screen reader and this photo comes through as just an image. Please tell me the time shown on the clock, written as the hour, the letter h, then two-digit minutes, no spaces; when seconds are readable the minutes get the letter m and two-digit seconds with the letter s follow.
6h28m41s
